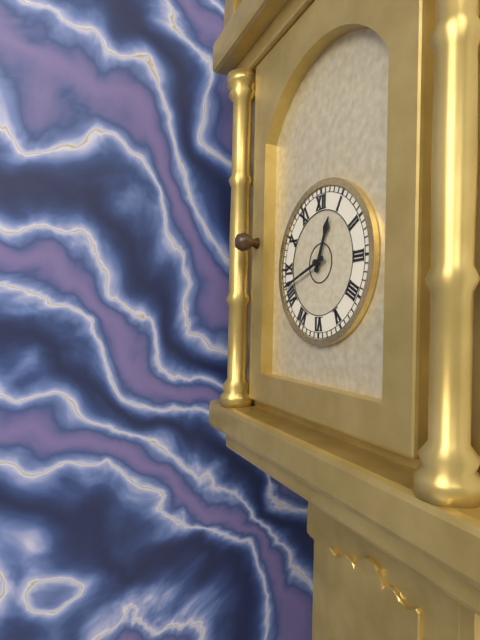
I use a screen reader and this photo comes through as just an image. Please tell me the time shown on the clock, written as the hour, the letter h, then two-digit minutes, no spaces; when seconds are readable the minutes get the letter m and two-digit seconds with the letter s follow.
12h42
